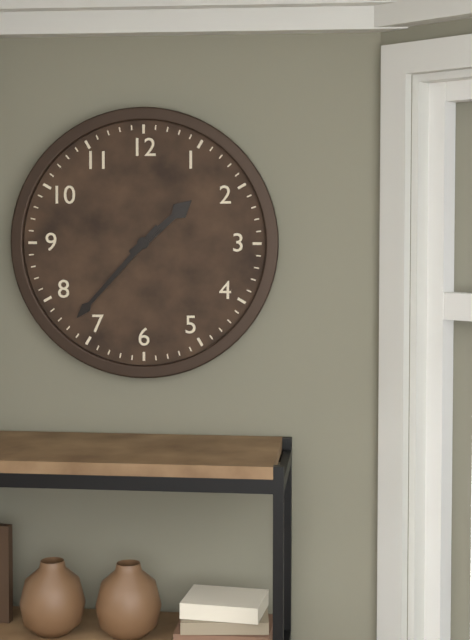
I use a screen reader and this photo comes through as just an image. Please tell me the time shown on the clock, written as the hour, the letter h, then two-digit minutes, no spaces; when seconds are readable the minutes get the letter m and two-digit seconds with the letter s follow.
1h37
